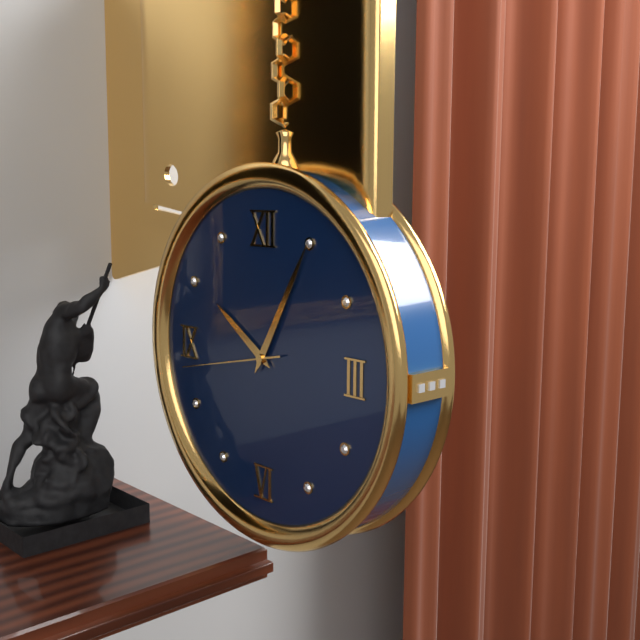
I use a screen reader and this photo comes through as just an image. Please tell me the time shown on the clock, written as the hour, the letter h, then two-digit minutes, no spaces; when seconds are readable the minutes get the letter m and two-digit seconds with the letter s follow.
10h05m43s
